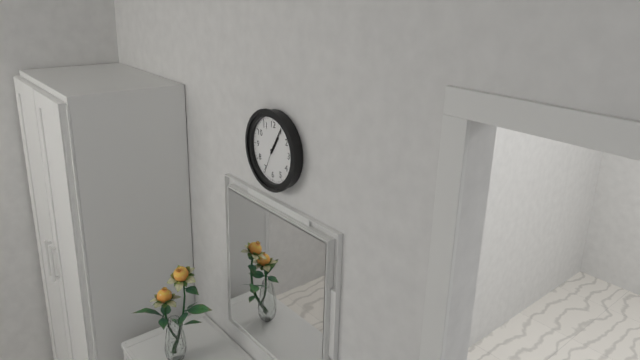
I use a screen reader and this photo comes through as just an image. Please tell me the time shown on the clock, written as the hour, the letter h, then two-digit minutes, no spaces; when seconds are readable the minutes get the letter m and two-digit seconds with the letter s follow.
1h05
